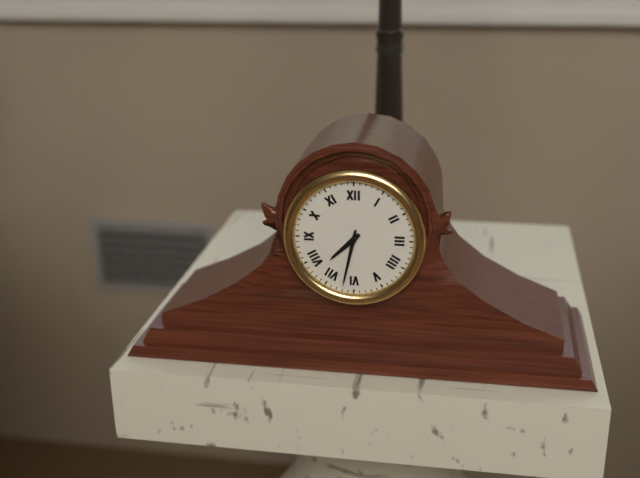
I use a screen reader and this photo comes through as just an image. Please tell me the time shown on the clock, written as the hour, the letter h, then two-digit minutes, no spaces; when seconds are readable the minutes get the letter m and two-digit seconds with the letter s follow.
7h32
